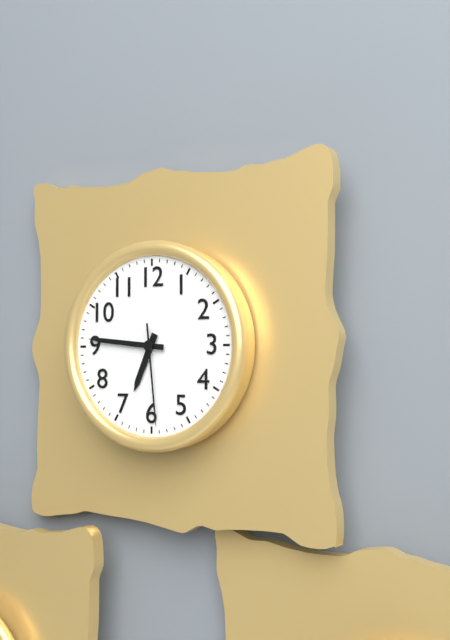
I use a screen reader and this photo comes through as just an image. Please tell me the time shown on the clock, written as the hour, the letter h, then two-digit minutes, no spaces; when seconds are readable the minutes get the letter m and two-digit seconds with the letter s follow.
6h46m29s
